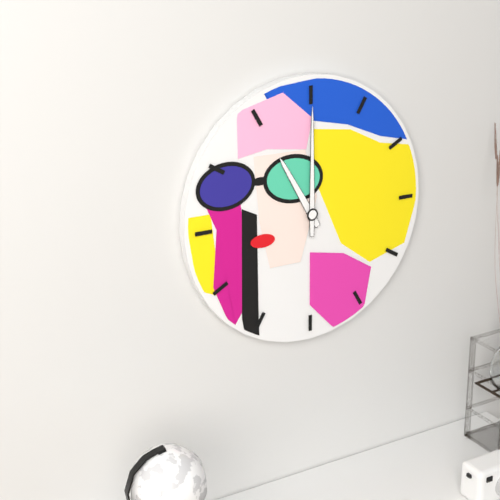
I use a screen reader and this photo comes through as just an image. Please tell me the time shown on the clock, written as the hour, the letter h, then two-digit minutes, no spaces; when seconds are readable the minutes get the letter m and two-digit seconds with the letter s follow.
11h00
